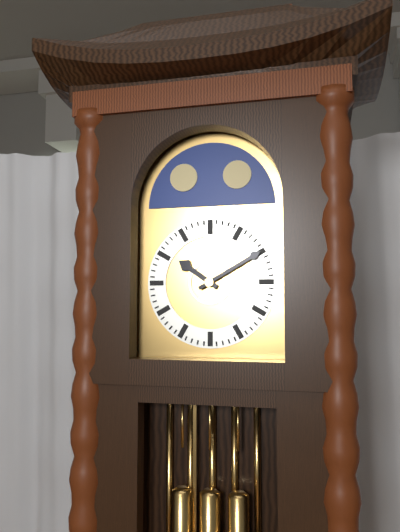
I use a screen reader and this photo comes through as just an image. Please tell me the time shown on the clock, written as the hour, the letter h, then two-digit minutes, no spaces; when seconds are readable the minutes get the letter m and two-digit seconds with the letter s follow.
10h10
